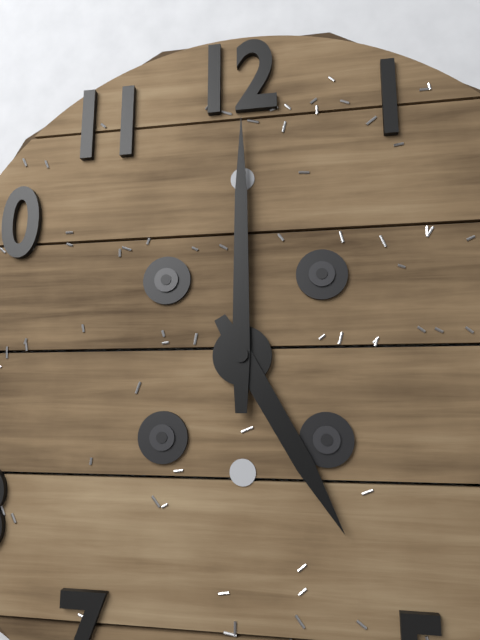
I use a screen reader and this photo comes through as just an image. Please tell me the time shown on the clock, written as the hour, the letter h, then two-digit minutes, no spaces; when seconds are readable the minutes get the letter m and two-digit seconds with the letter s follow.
5h00
